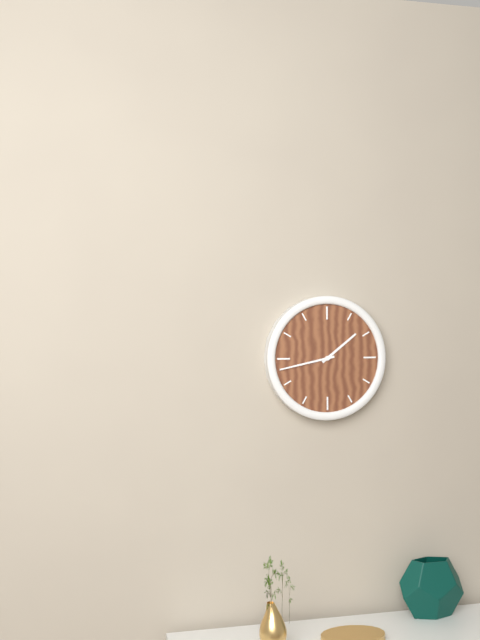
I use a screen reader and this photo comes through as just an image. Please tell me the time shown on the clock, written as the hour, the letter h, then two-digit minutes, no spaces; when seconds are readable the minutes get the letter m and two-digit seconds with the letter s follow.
1h43
